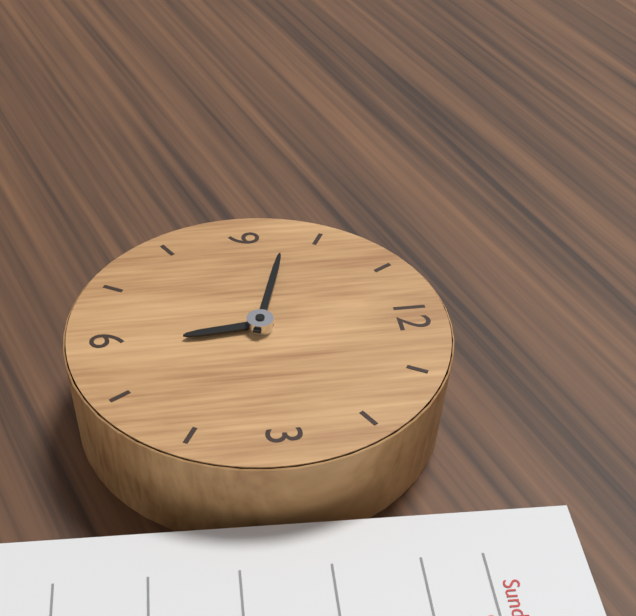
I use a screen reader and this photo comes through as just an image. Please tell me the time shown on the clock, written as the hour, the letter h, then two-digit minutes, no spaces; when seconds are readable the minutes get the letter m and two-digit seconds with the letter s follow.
5h48
